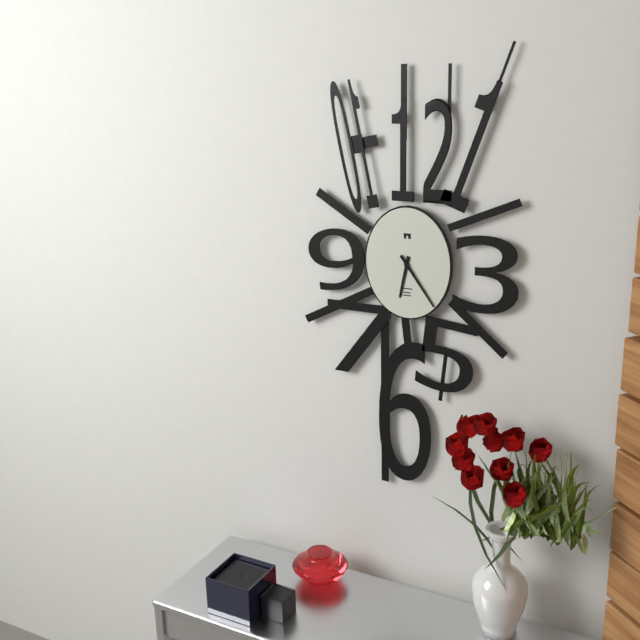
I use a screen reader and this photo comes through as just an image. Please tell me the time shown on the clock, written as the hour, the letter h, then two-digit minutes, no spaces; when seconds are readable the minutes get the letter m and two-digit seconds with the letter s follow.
6h24
